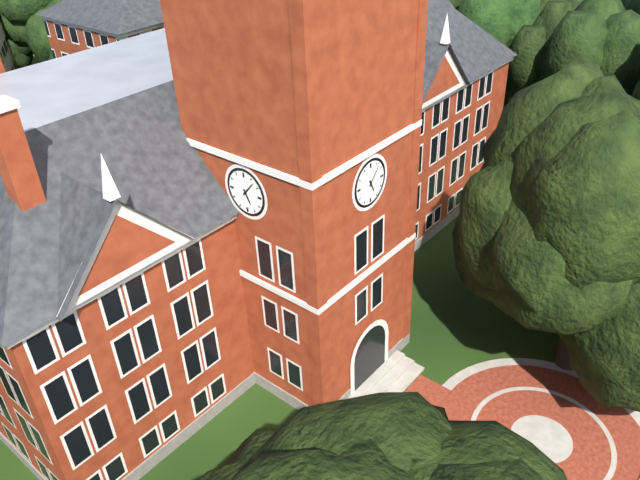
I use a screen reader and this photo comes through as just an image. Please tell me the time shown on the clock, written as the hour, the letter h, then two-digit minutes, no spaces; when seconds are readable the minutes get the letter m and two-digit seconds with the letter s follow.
5h07
